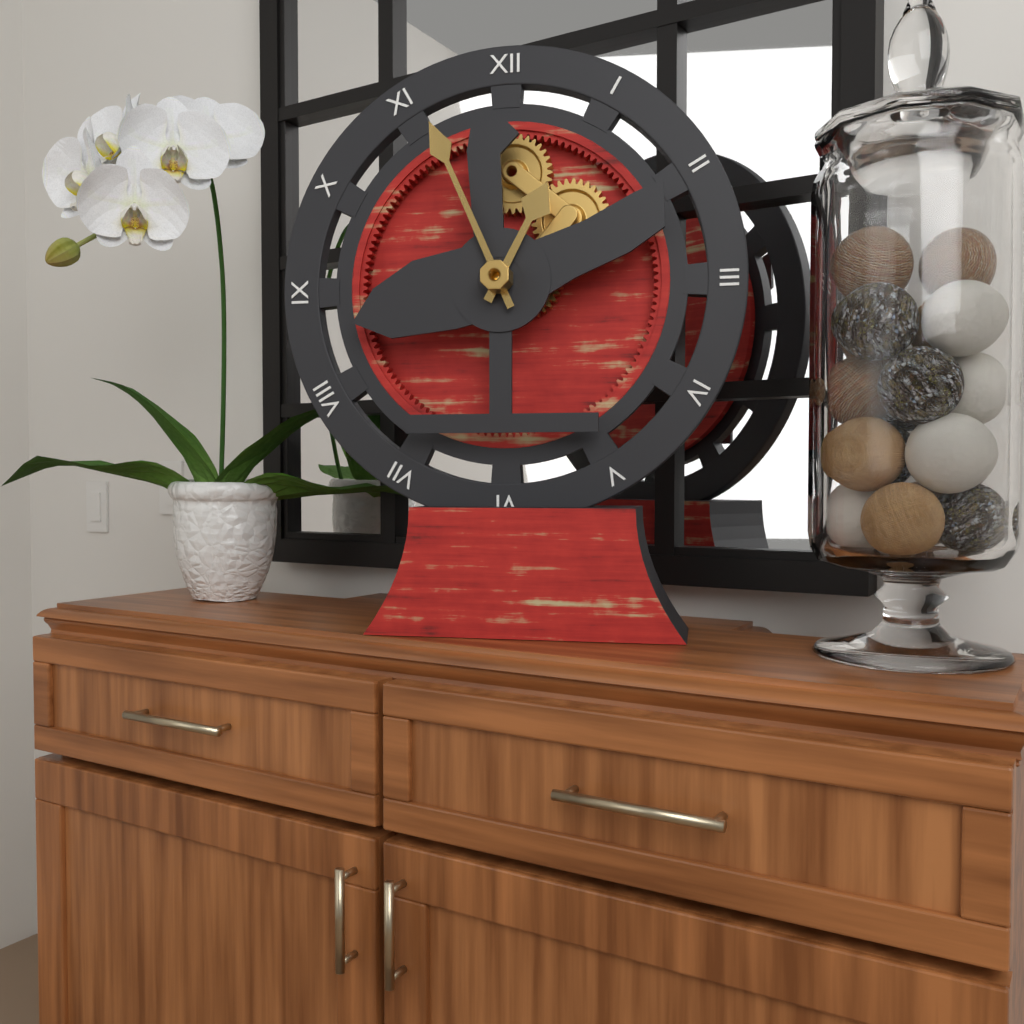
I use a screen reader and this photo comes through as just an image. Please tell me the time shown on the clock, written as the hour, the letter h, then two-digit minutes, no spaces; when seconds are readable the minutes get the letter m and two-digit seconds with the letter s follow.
12h56
